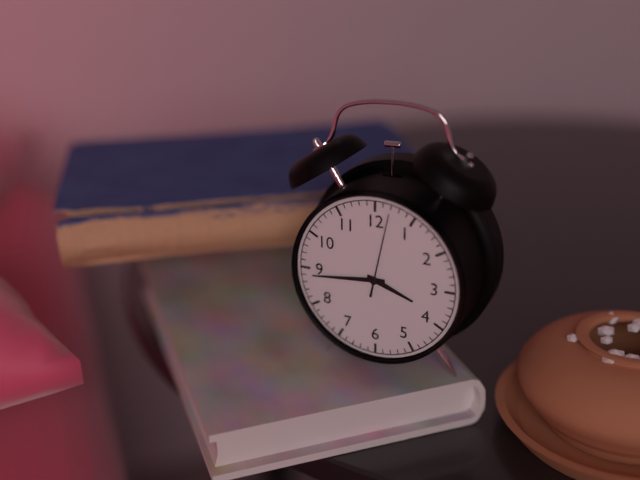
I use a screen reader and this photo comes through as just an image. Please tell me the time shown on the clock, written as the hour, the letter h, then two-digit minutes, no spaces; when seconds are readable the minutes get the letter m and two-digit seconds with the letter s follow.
3h44m02s
